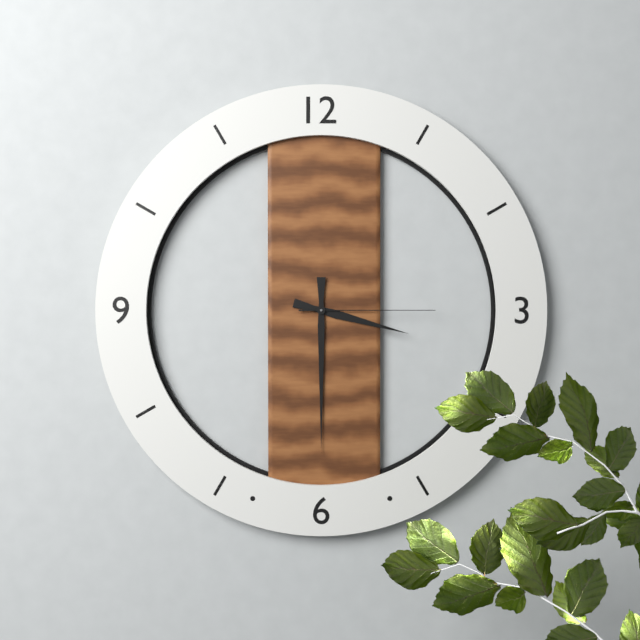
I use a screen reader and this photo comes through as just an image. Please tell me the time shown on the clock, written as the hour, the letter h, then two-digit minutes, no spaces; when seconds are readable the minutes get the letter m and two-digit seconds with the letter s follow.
3h30m15s
